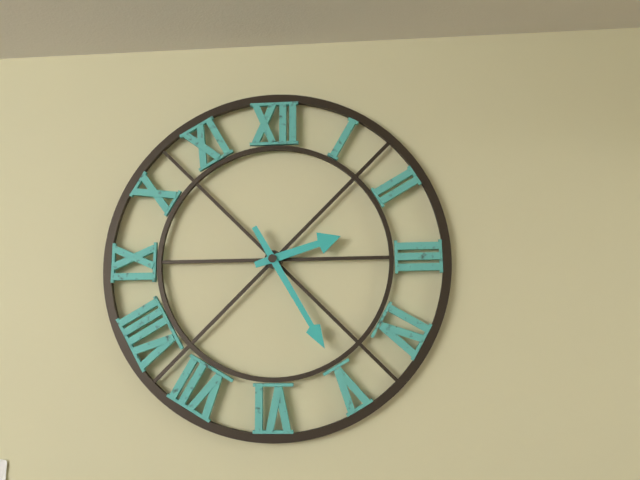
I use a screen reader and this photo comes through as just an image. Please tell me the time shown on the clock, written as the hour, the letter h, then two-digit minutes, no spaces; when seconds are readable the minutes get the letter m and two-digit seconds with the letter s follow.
2h25
